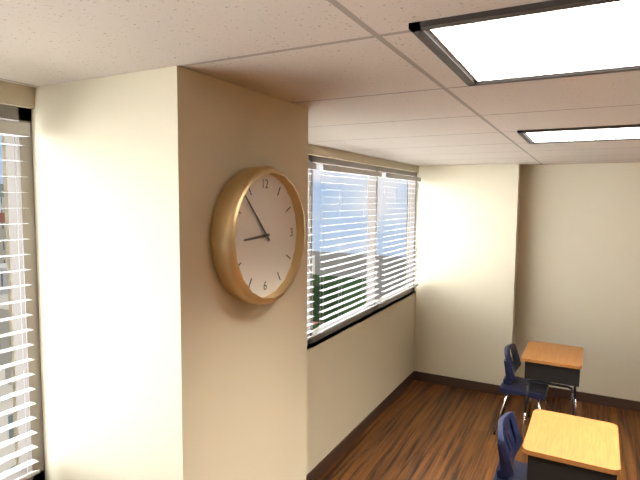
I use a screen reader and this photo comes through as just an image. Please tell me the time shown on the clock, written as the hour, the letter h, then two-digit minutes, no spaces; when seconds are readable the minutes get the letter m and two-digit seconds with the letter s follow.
8h53
